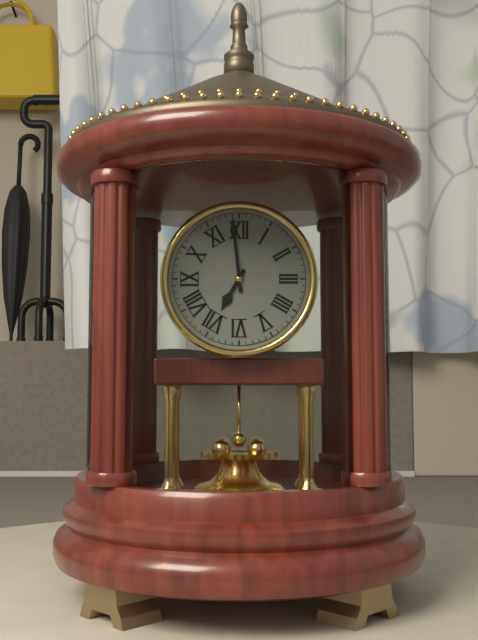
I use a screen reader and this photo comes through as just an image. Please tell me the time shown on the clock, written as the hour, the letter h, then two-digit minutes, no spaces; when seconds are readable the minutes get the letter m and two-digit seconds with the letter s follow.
6h59
